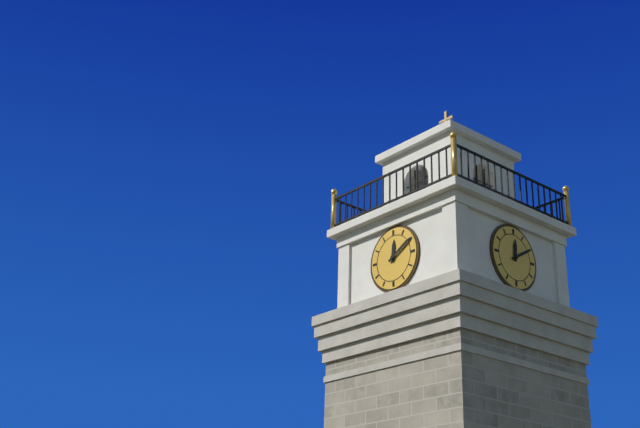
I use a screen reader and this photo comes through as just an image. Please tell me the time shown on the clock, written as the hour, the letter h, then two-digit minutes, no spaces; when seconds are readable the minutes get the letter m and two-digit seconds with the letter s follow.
12h10
